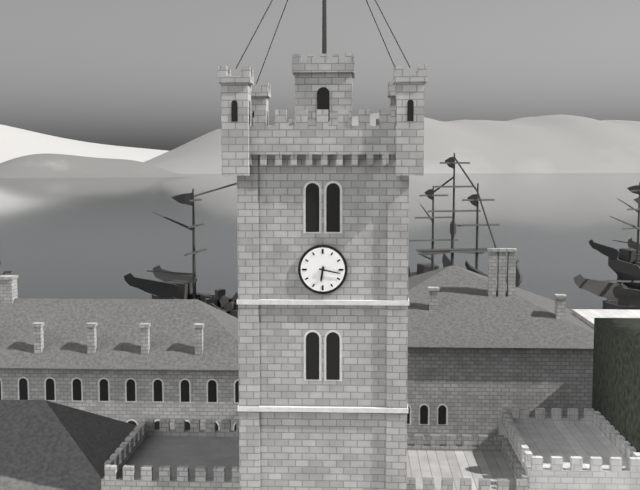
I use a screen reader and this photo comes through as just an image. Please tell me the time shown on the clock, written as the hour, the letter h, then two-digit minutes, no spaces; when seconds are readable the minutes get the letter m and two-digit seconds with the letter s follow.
6h17
